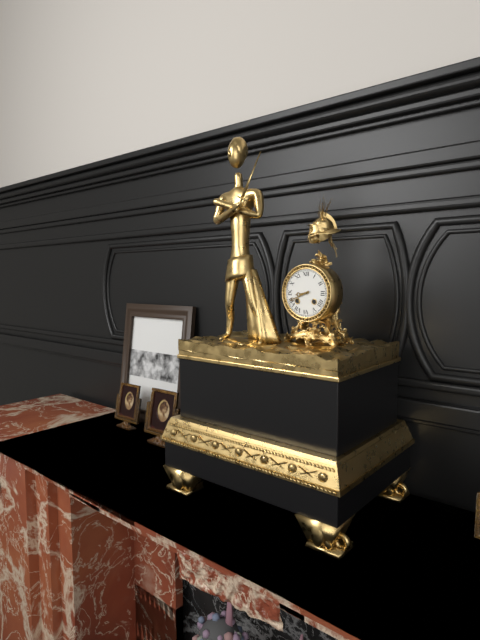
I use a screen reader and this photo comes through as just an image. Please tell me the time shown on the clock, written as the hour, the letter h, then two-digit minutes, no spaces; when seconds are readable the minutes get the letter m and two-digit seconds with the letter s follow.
8h41
